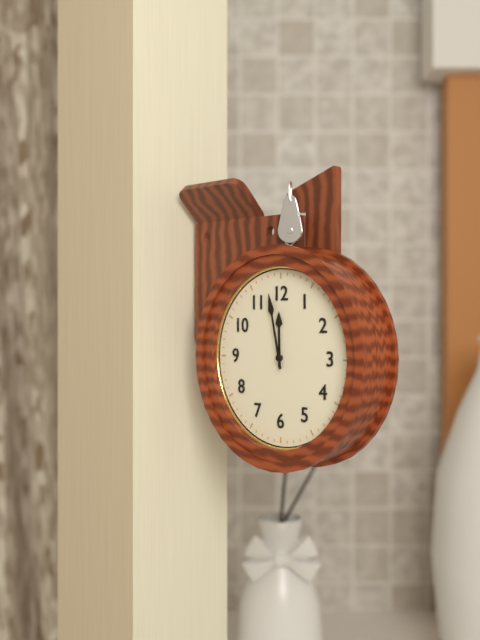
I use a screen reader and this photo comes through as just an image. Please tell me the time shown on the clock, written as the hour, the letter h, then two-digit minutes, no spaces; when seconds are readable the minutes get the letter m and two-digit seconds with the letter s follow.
11h58
